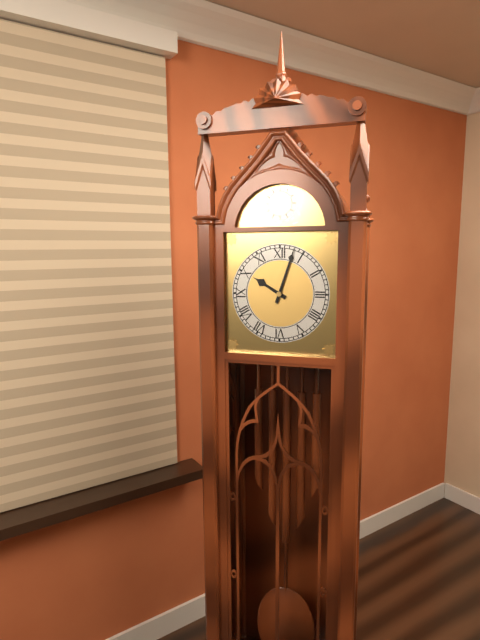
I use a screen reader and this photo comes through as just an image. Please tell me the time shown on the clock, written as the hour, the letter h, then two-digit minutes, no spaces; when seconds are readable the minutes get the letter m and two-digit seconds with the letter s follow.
10h03
